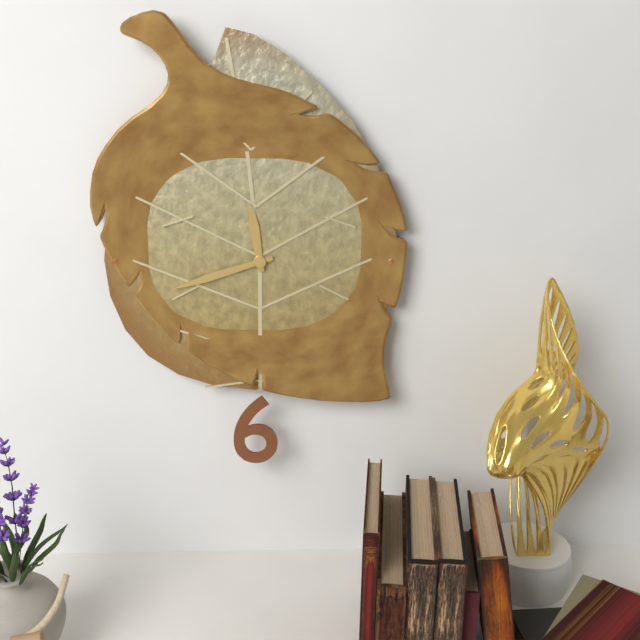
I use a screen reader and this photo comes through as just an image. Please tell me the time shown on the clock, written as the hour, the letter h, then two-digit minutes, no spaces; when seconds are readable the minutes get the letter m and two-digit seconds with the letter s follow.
11h42
